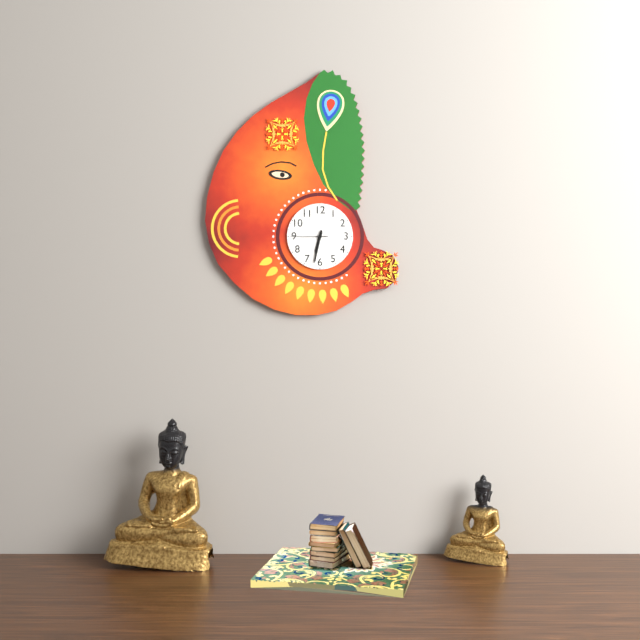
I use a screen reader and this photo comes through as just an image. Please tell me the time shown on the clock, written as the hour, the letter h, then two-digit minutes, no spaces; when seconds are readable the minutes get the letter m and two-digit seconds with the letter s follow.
6h32
